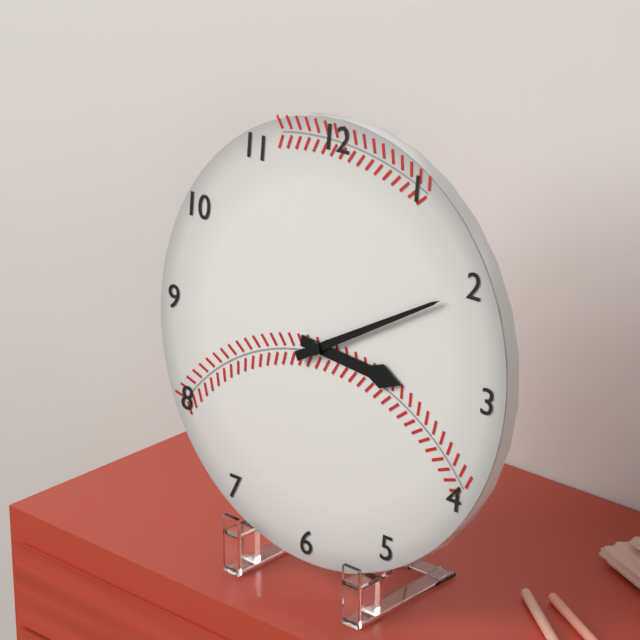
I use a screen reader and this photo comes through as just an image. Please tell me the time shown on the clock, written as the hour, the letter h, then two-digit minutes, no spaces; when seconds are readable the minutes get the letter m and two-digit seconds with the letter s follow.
3h10
